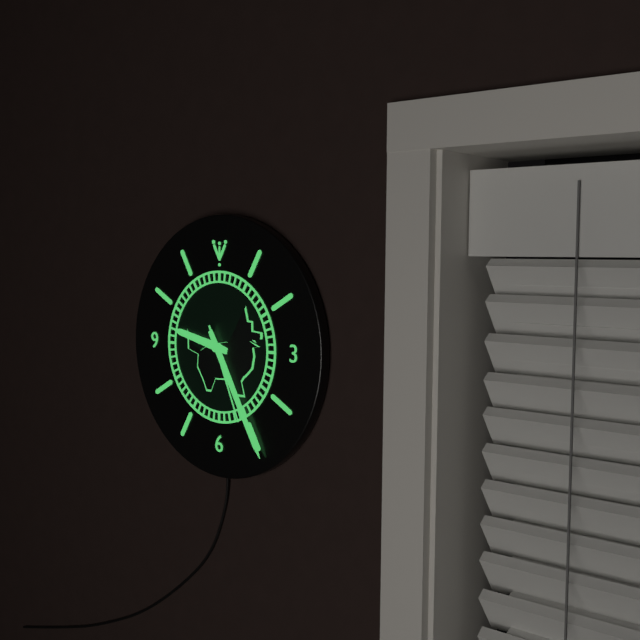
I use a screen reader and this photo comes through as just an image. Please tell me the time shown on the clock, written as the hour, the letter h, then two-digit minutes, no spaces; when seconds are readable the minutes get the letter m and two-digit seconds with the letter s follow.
9h25m26s
